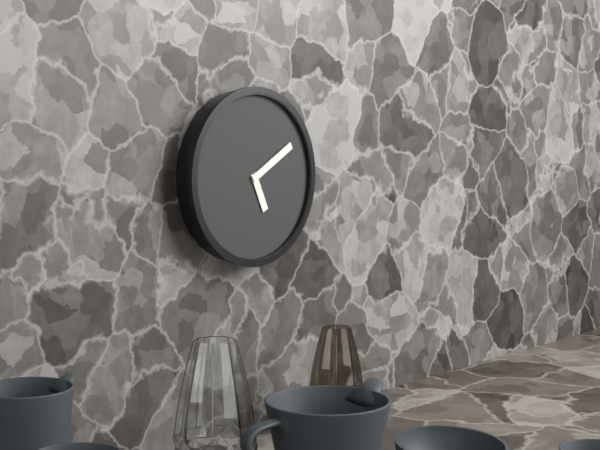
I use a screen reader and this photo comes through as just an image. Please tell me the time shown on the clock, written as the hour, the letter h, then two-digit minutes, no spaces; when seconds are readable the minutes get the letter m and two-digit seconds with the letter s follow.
5h10
